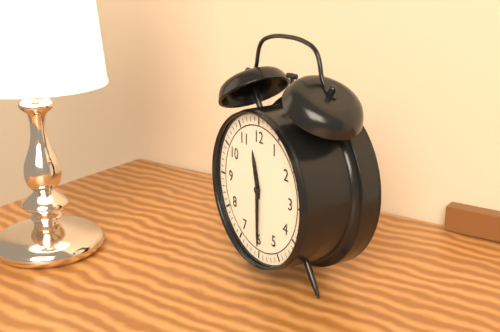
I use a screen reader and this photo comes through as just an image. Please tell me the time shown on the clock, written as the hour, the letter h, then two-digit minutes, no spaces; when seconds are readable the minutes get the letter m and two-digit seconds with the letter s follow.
11h30
